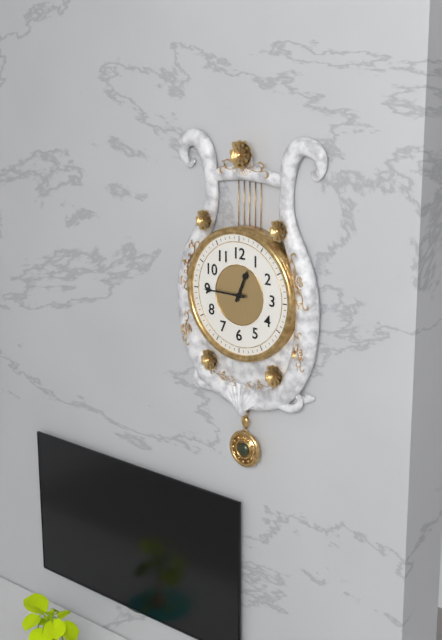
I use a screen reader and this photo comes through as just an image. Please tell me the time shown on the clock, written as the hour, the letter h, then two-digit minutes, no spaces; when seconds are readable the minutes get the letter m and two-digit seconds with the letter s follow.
12h45
